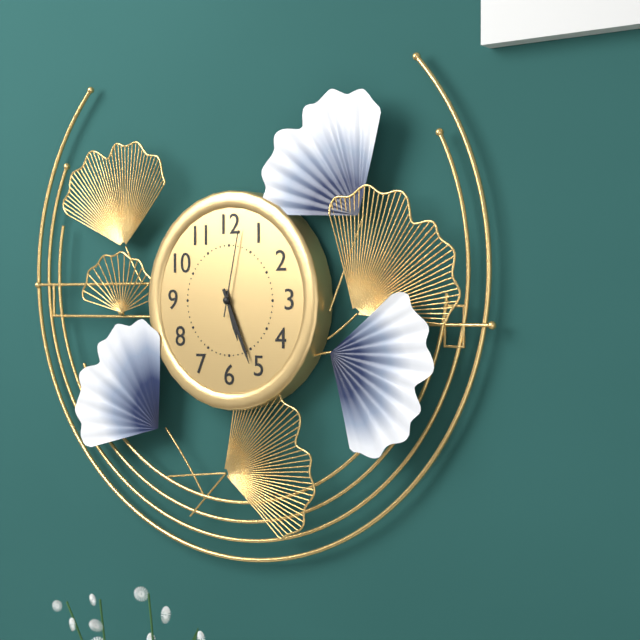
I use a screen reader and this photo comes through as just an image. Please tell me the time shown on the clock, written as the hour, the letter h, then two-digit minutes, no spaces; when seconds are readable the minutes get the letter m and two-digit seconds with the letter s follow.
5h26m02s
